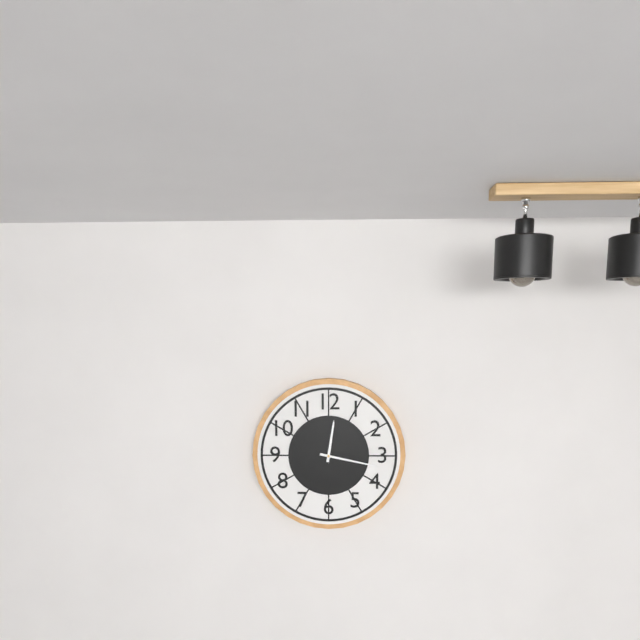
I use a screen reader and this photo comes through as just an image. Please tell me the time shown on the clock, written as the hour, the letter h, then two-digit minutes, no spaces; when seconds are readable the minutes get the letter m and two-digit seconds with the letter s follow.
12h17
